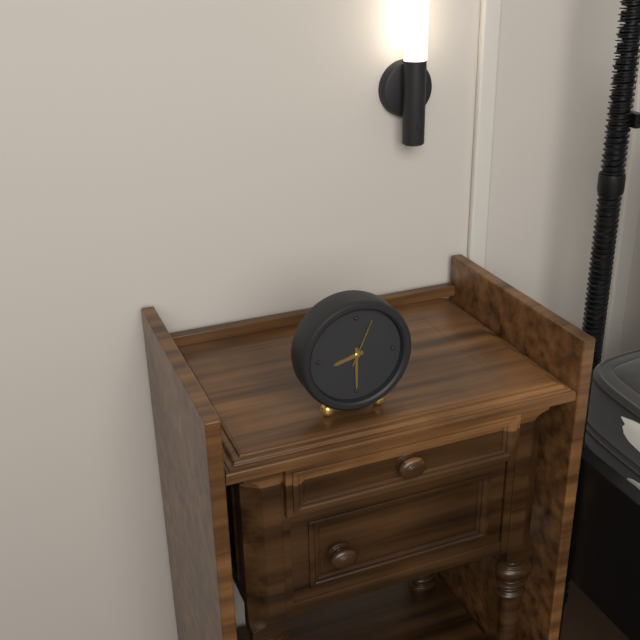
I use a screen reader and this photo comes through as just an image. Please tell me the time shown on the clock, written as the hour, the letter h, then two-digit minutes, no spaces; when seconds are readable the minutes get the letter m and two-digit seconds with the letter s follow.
8h30
